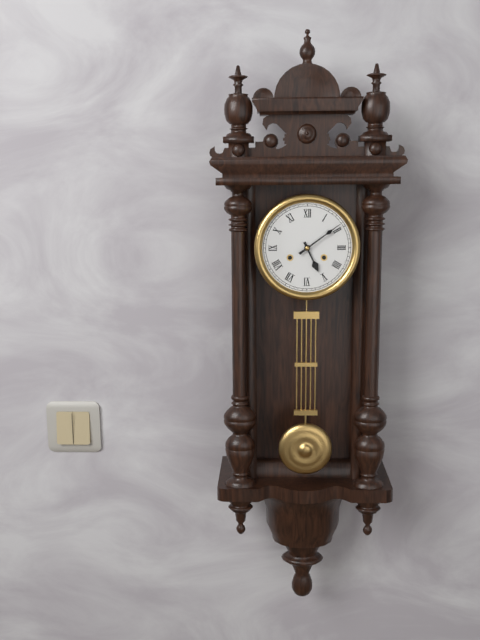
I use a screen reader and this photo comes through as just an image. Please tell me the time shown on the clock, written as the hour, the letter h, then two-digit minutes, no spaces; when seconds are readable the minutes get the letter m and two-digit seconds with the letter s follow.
5h09
